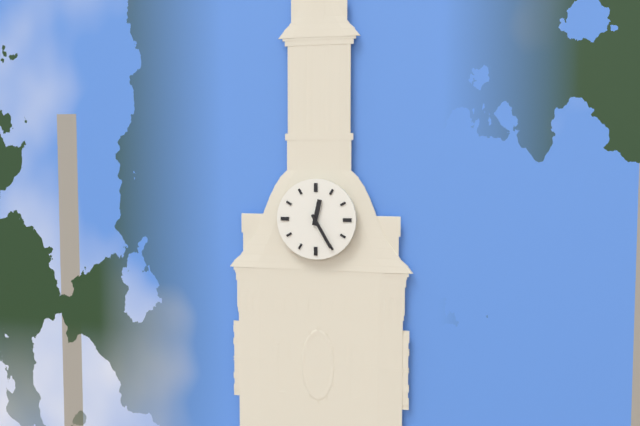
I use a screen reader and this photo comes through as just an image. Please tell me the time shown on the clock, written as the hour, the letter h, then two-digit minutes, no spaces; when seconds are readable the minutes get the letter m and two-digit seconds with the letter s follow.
12h25
